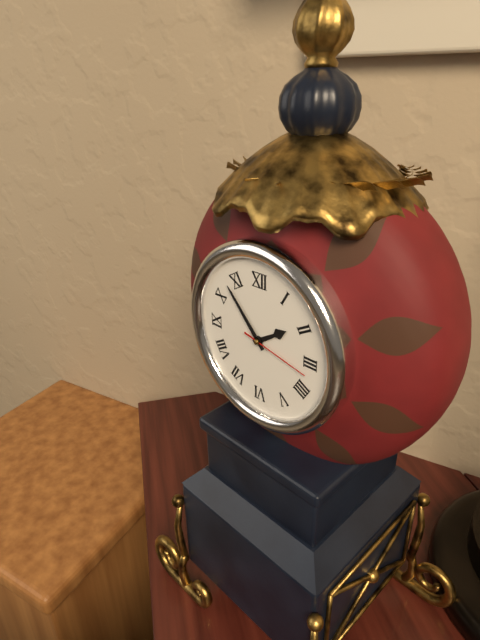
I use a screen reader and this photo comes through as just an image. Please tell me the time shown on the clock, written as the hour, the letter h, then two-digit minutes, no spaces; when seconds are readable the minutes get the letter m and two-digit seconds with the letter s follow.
1h53m17s
